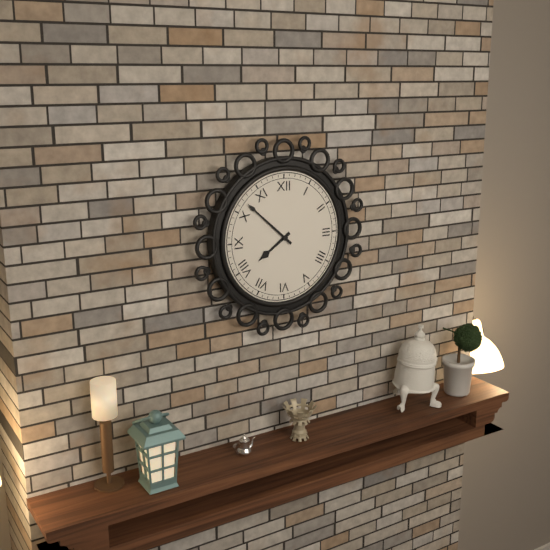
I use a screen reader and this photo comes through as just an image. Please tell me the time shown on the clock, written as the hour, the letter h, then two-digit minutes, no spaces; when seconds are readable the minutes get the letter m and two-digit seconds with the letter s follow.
7h52
